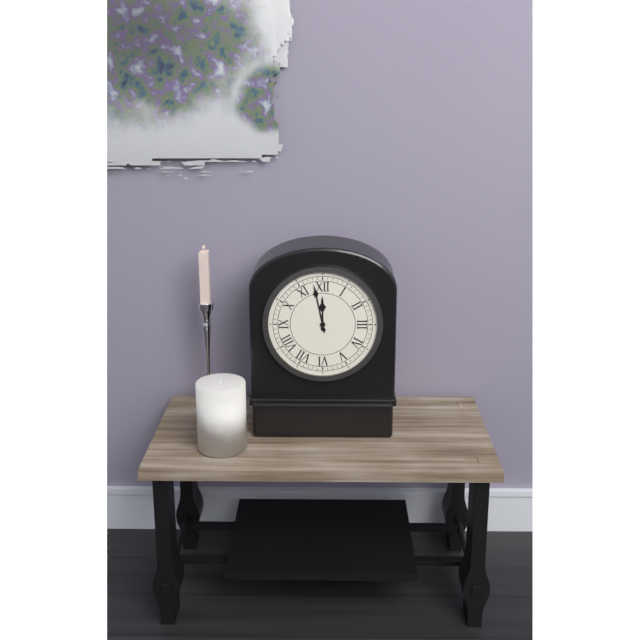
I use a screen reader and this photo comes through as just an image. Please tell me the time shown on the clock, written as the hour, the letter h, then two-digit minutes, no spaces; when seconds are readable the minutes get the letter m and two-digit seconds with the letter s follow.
11h58
